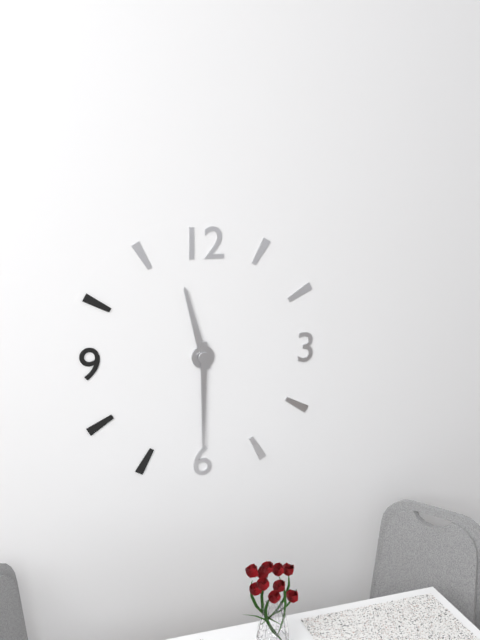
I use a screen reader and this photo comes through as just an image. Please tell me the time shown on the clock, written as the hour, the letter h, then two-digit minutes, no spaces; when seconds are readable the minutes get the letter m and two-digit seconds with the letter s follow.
11h30
